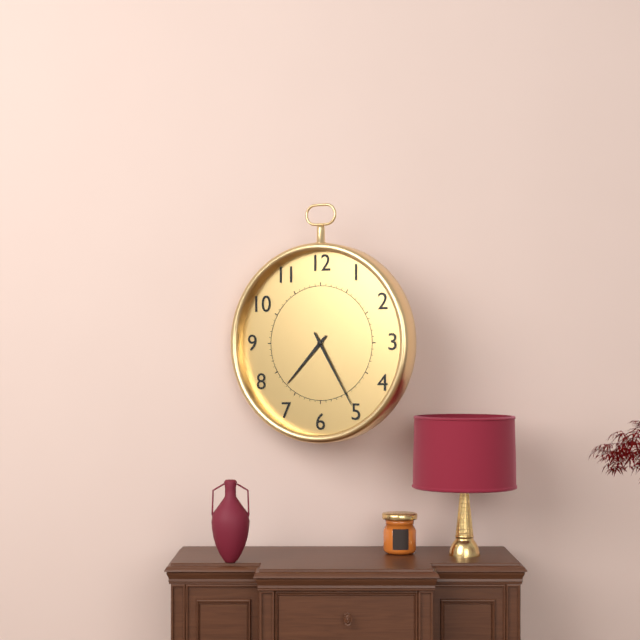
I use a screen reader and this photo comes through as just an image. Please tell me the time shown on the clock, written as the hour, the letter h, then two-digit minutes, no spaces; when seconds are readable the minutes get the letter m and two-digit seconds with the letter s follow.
7h25
